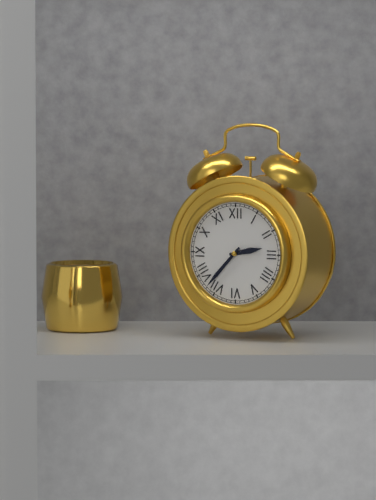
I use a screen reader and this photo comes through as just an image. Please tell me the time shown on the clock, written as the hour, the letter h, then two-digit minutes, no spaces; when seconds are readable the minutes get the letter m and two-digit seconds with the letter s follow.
2h37
